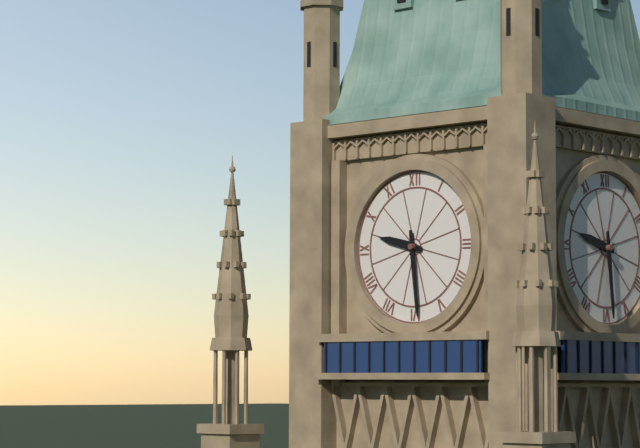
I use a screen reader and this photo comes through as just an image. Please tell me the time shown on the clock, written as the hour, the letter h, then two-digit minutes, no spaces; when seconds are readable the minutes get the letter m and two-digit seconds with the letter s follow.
9h29
